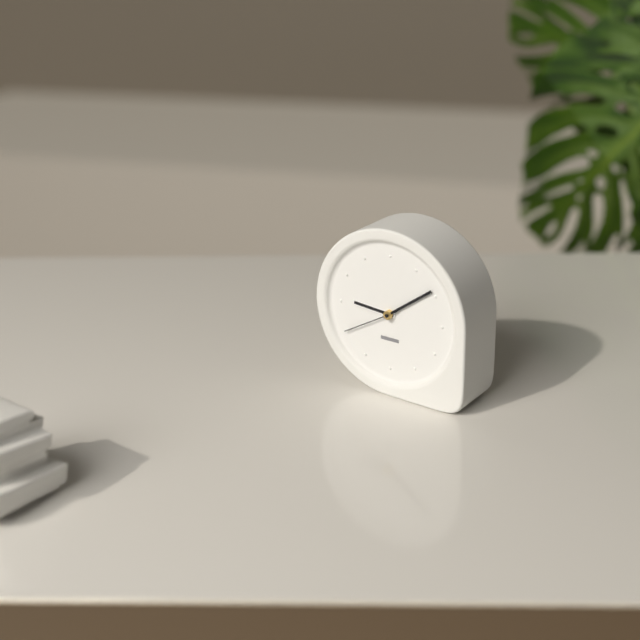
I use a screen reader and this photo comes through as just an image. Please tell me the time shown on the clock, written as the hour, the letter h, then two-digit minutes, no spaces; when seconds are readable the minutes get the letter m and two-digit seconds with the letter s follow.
9h09m40s
